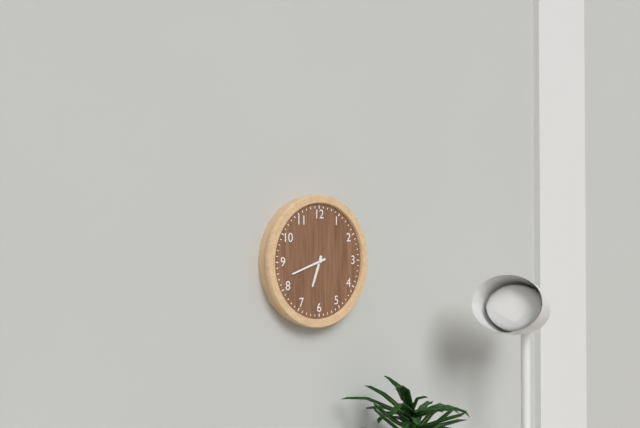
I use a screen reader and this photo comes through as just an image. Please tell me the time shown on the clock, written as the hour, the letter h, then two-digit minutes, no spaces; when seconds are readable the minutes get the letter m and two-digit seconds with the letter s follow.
6h42
